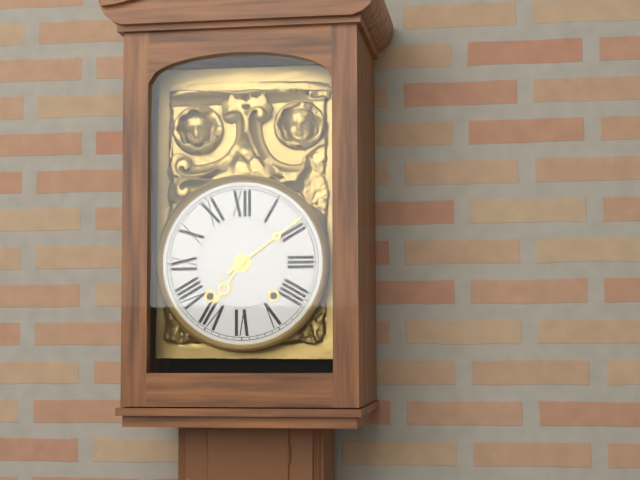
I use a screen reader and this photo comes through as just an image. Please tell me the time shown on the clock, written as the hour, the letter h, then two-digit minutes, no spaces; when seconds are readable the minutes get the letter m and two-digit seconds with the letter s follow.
7h09
